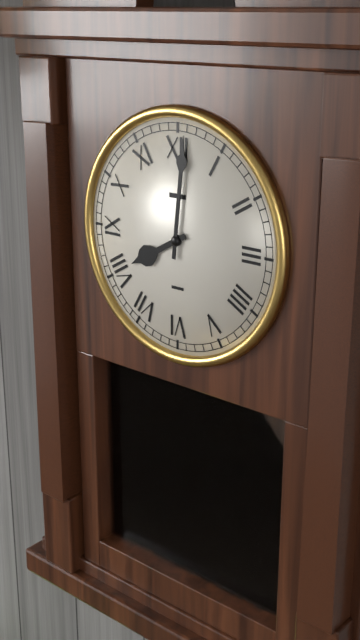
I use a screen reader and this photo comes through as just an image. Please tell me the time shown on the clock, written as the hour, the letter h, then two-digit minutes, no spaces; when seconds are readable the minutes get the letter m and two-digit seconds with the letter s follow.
8h01
